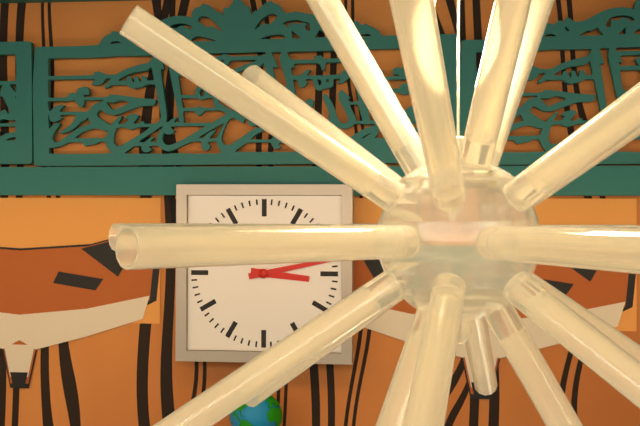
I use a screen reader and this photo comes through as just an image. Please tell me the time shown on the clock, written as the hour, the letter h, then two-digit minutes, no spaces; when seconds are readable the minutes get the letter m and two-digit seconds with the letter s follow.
3h13
